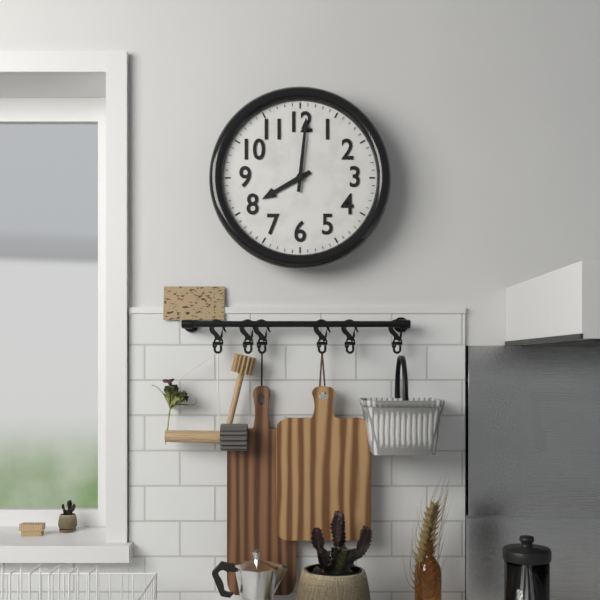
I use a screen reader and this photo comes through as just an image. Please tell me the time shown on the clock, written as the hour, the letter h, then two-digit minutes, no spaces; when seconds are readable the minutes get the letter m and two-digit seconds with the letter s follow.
8h01
